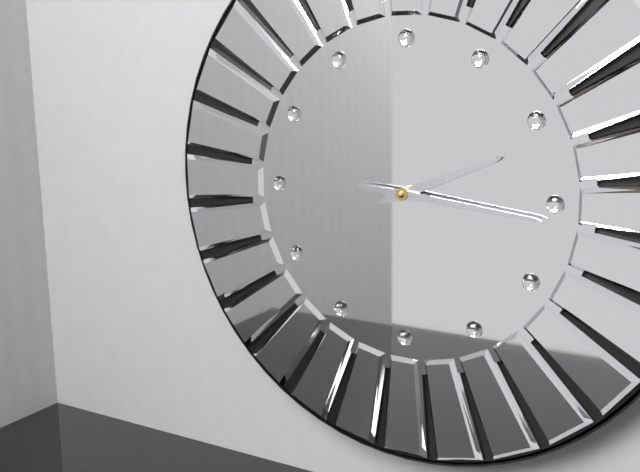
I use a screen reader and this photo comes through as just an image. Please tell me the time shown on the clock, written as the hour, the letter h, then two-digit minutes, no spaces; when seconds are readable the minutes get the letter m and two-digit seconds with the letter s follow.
2h16
